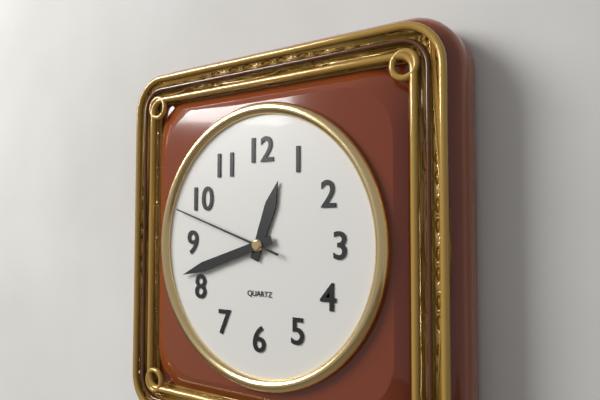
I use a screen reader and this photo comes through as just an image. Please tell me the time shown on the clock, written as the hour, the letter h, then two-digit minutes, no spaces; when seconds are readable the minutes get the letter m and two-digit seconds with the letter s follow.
12h42m48s
